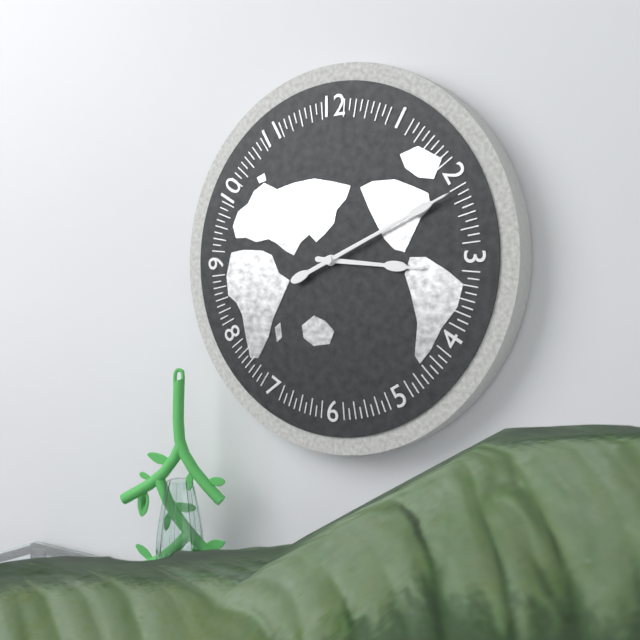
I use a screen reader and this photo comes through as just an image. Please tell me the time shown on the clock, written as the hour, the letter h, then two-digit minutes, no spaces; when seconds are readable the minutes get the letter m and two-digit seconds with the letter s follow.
3h11
